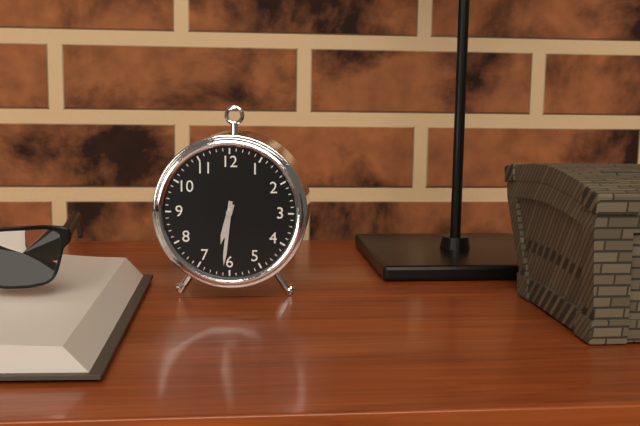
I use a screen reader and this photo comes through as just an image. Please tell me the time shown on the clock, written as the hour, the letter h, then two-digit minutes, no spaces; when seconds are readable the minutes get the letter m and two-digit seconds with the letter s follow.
6h31
